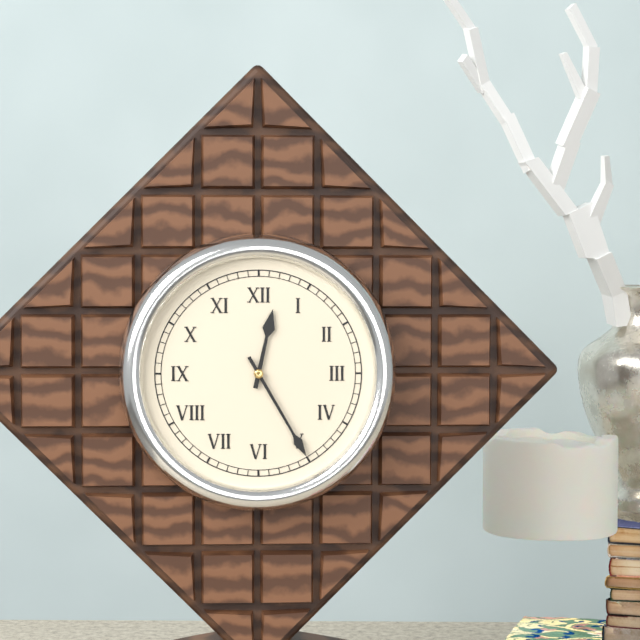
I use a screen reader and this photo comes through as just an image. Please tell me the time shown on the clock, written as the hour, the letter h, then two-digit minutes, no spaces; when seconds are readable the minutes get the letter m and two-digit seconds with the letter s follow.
12h25
